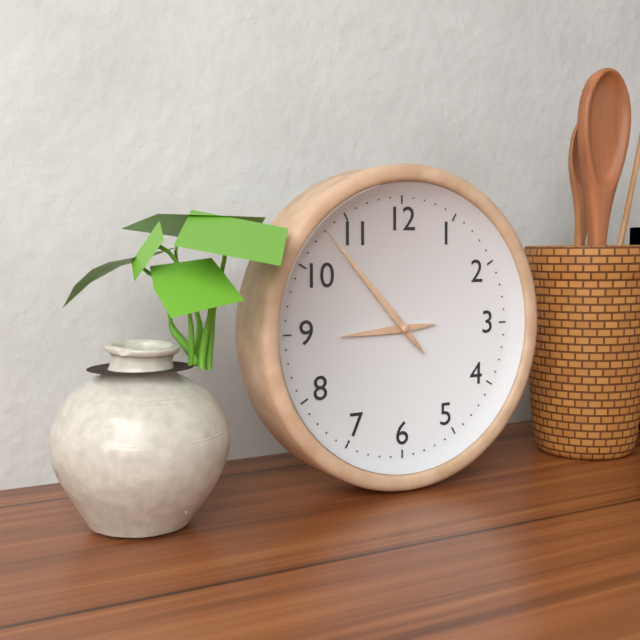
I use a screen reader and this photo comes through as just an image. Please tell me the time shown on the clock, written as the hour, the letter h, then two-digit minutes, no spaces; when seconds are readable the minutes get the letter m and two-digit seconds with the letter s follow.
8h53
